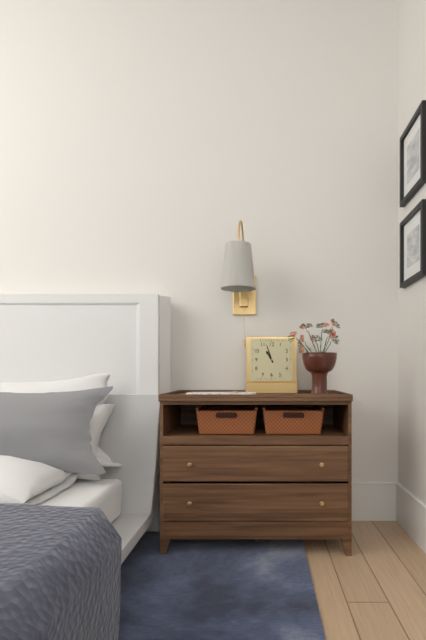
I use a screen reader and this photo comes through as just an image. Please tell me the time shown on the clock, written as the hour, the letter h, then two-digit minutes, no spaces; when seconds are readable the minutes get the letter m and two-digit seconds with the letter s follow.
10h57
